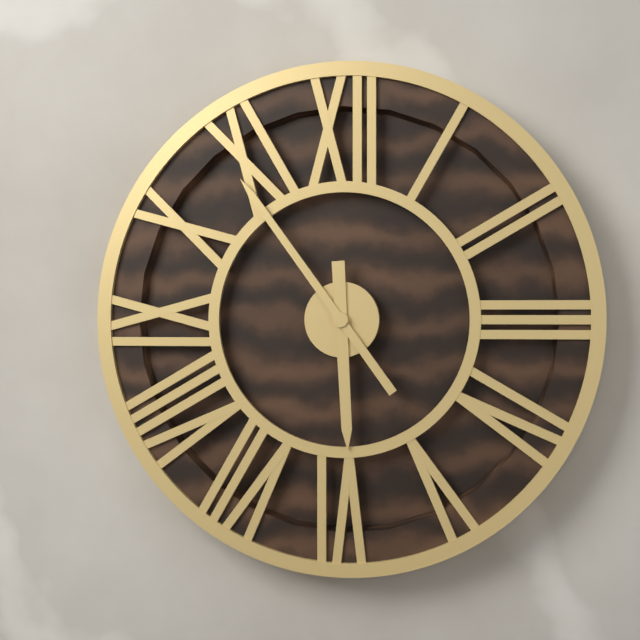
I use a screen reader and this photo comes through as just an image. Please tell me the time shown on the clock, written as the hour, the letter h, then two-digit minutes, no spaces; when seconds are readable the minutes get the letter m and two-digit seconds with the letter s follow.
5h54
